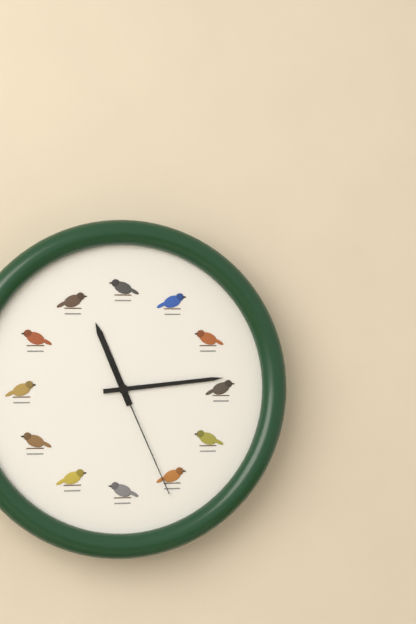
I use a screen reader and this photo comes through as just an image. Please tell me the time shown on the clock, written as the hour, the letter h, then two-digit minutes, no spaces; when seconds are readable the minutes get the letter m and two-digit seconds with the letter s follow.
11h14m26s
